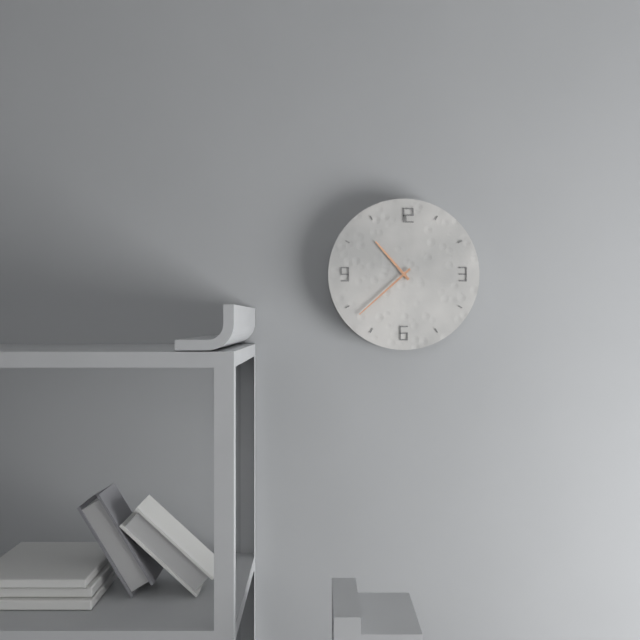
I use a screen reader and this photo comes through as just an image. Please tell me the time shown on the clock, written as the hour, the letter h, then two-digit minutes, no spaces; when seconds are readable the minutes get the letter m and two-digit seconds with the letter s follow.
10h38
